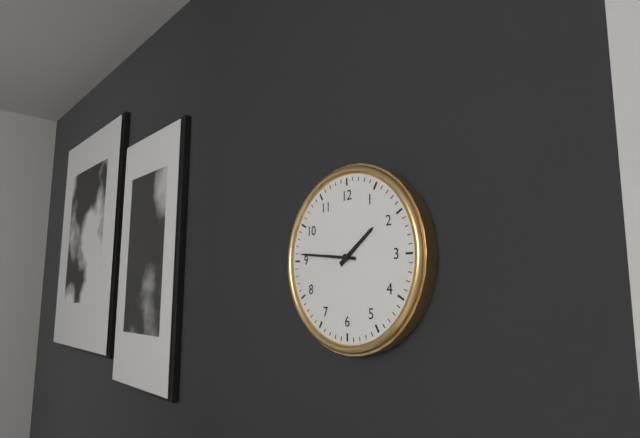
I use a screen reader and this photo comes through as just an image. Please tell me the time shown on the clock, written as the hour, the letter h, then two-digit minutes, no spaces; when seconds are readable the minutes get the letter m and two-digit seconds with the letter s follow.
1h46
